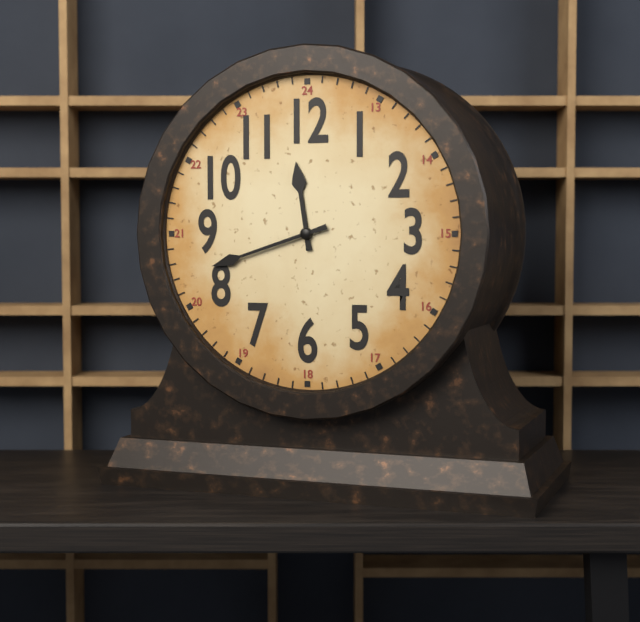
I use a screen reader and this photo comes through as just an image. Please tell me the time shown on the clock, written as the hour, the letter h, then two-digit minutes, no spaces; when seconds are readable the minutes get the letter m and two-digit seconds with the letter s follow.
11h42
